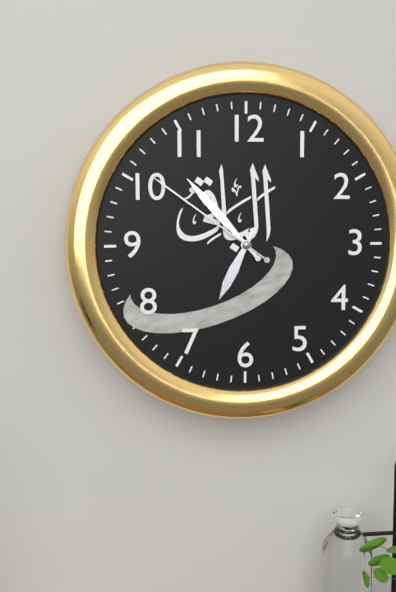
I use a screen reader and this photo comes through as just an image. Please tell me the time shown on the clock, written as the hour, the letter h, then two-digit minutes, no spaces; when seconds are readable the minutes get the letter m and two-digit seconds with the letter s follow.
6h53m51s
